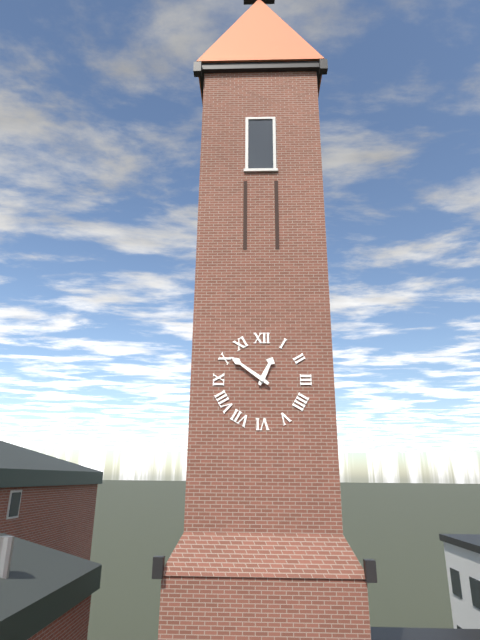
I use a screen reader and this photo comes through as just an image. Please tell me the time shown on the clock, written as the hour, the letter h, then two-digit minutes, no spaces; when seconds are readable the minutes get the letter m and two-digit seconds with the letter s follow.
12h51
